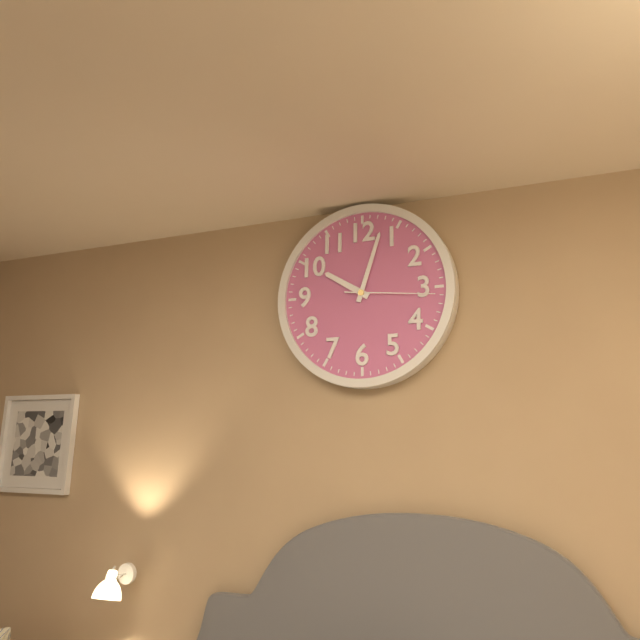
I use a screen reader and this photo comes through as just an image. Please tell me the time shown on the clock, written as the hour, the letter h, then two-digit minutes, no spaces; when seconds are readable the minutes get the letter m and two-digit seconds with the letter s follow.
10h03m16s
